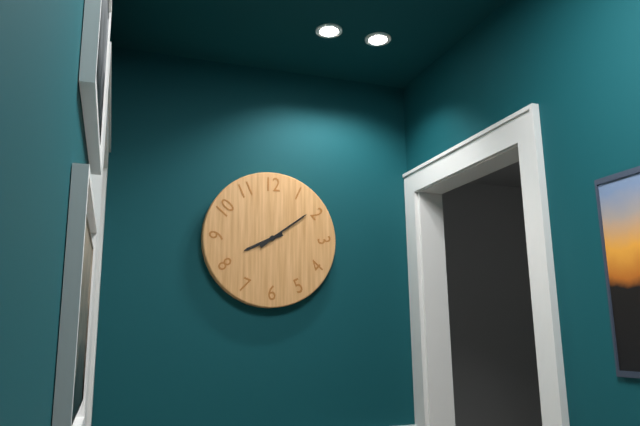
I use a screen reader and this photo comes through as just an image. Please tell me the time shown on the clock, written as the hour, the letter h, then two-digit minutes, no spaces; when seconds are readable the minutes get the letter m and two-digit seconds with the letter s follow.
8h09
